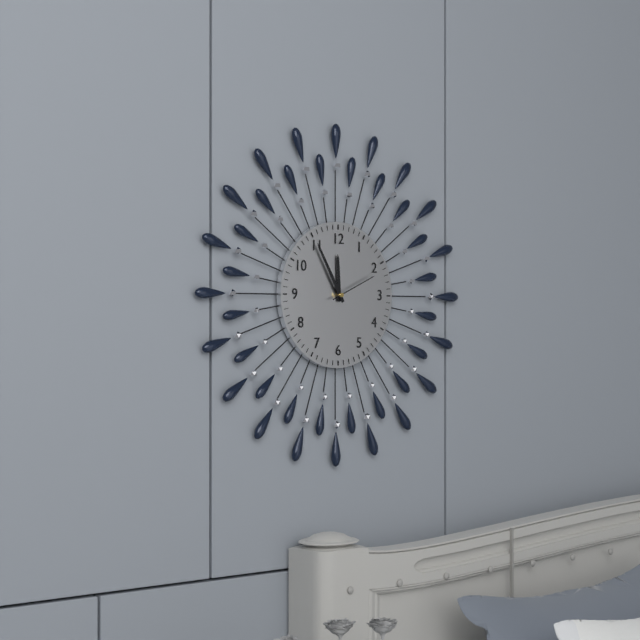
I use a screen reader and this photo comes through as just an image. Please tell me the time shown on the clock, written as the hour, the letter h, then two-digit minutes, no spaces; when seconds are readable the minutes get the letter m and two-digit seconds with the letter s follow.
11h55
